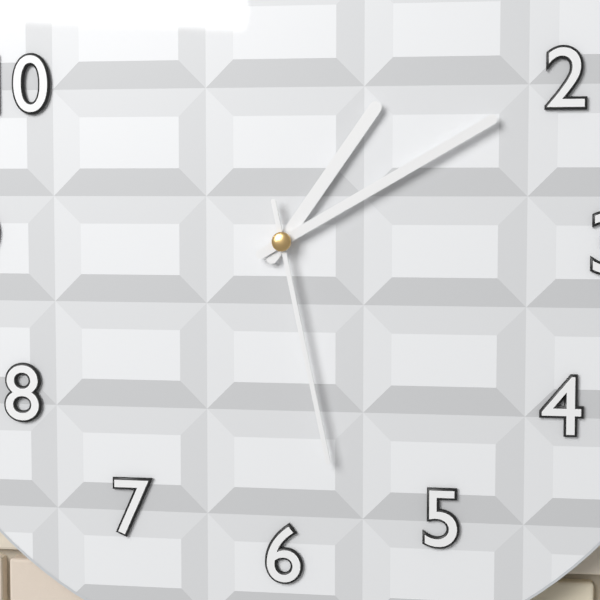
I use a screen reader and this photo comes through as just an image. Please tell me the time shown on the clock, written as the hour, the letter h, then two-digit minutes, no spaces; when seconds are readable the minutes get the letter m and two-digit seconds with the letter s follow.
1h10m28s
